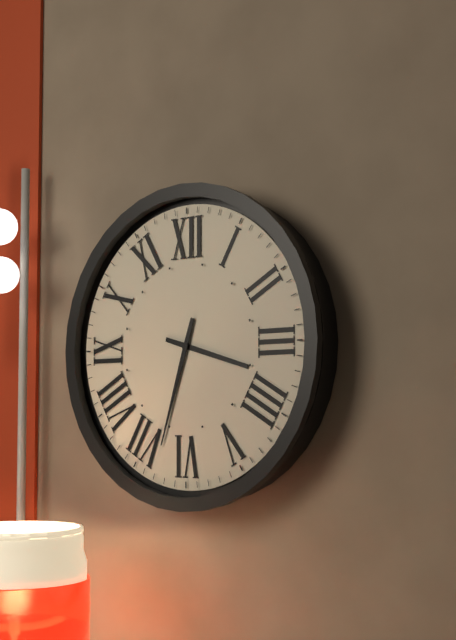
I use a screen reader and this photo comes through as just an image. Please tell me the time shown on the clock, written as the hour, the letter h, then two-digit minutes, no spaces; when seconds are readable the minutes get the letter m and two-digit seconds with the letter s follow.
3h33
